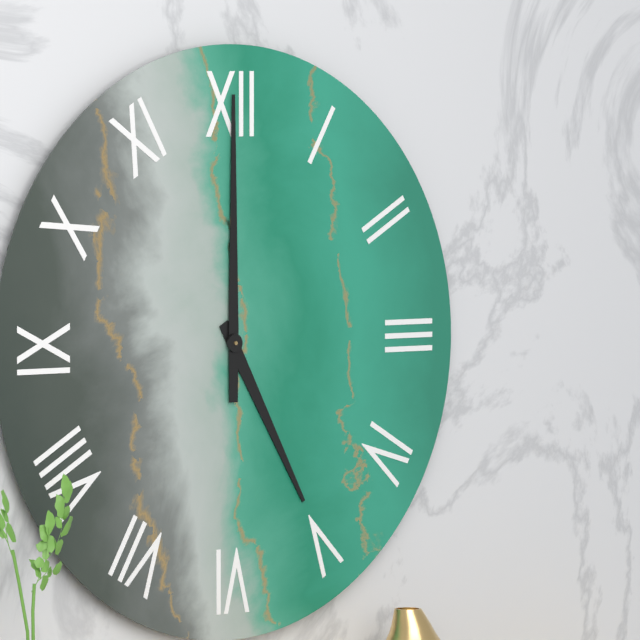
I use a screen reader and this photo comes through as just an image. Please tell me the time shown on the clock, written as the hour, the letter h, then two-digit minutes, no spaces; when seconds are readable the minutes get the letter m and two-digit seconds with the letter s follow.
5h00
